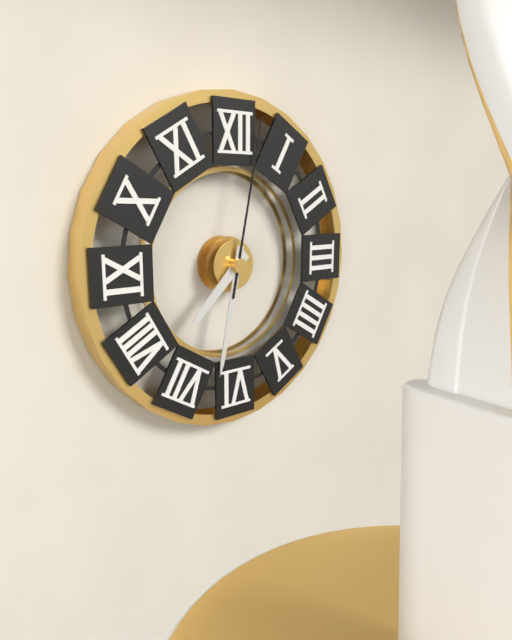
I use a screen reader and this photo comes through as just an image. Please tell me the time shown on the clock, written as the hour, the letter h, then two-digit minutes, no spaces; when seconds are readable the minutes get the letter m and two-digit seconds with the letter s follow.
7h32m02s
